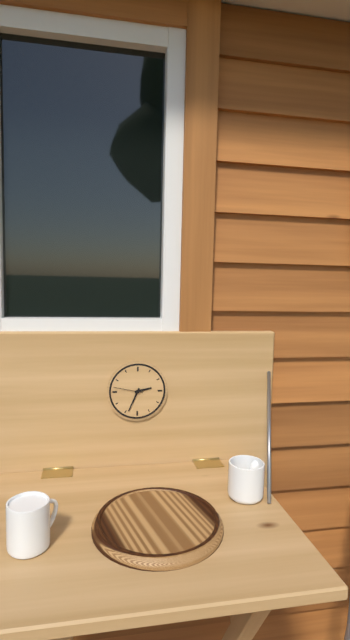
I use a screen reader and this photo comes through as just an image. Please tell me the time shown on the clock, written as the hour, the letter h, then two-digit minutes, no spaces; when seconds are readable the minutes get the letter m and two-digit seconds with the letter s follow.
2h34
